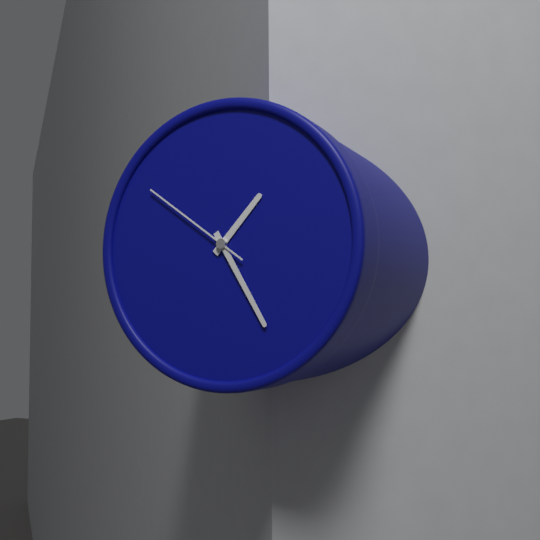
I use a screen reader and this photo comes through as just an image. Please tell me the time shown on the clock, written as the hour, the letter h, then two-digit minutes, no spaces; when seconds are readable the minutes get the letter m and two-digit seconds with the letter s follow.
1h25m51s
